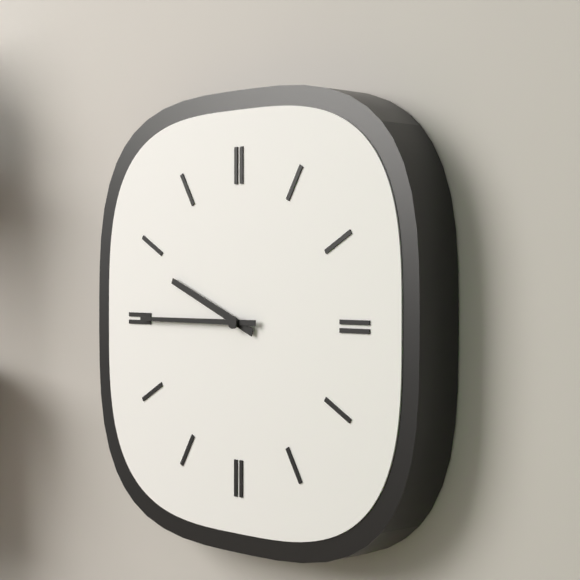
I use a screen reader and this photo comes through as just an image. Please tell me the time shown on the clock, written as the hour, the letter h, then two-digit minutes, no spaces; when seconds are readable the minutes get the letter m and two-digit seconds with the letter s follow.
9h45
